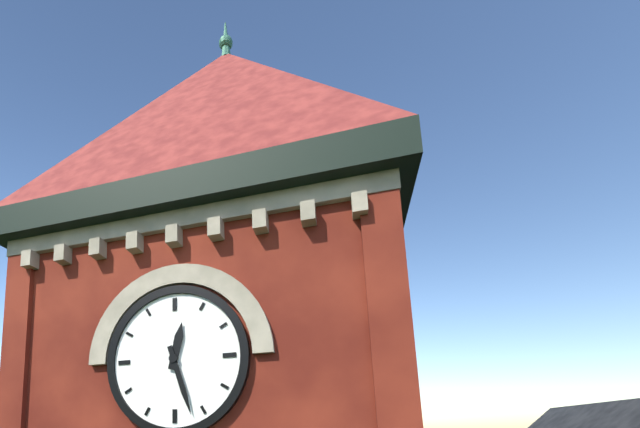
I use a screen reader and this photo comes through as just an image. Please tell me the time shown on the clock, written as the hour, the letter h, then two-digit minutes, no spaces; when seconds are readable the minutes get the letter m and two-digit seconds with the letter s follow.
12h27
